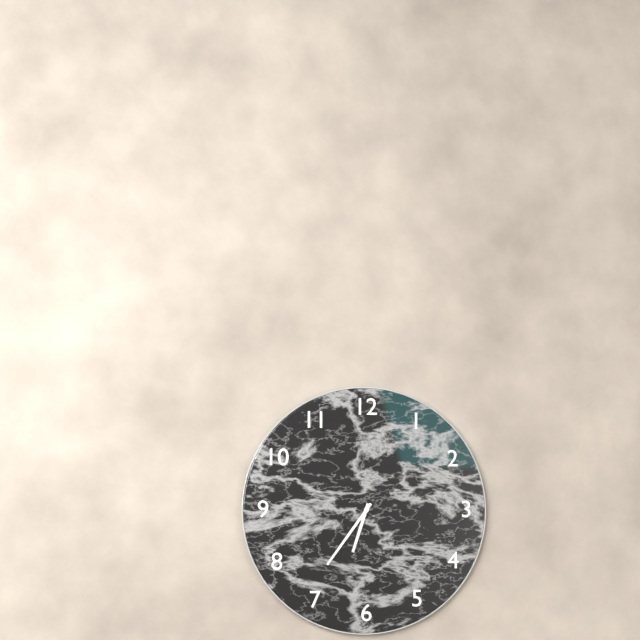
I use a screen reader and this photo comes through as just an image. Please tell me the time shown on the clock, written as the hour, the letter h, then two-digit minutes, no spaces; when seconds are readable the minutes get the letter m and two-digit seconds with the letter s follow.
6h36
